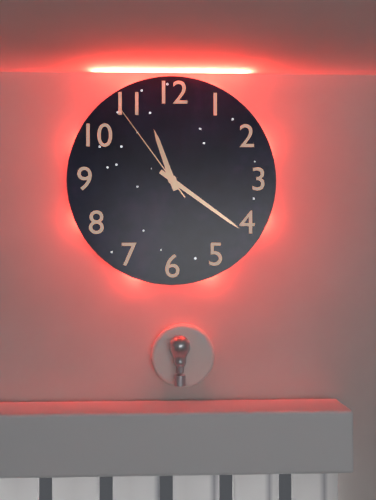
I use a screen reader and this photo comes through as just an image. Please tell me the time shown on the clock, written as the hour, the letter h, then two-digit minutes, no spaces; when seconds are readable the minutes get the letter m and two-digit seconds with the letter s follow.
11h21m54s
